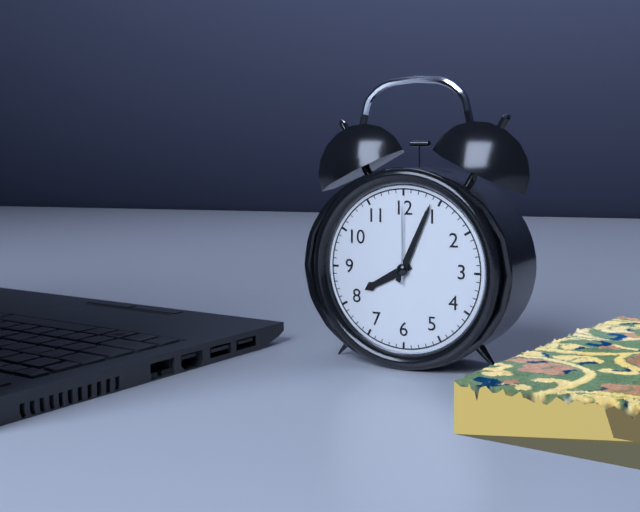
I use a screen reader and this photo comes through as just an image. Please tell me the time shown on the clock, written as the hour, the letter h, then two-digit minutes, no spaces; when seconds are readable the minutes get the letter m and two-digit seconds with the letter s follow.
8h04m00s
